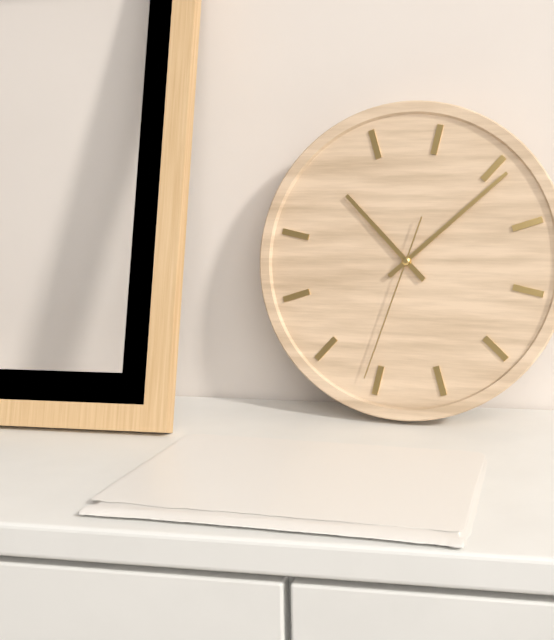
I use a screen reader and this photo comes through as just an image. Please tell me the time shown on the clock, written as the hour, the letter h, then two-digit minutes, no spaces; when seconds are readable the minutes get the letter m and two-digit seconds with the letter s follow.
10h06m31s
